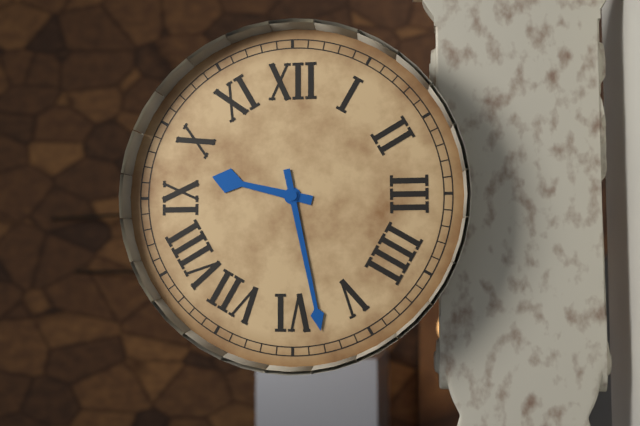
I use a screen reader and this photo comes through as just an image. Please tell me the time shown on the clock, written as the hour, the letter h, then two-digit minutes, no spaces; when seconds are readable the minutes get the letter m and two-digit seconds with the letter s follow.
9h28
